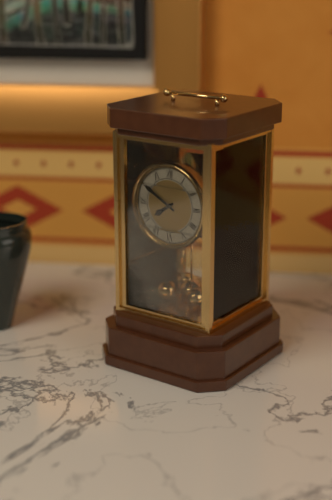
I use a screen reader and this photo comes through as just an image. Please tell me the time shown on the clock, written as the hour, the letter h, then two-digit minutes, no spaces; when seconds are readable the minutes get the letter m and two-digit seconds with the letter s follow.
7h50
